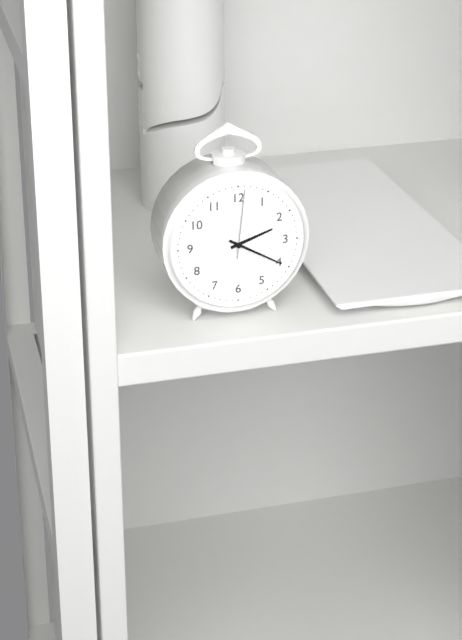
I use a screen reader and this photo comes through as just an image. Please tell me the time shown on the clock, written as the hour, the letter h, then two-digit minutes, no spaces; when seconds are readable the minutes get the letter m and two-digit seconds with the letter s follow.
2h20m01s
